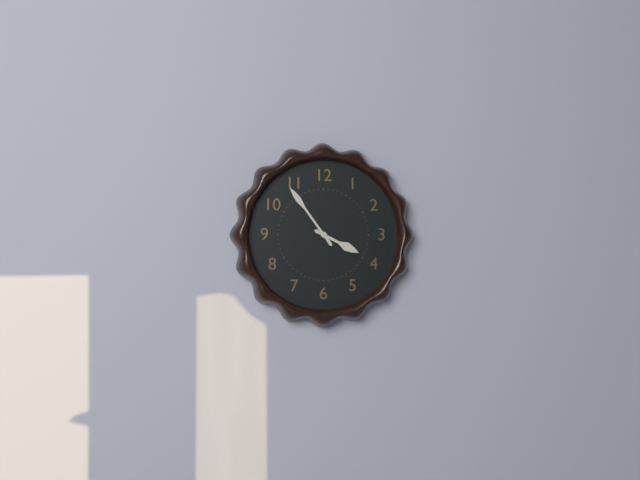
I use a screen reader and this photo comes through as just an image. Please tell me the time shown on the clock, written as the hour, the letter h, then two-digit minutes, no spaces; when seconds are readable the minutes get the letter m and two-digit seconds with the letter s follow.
3h54
